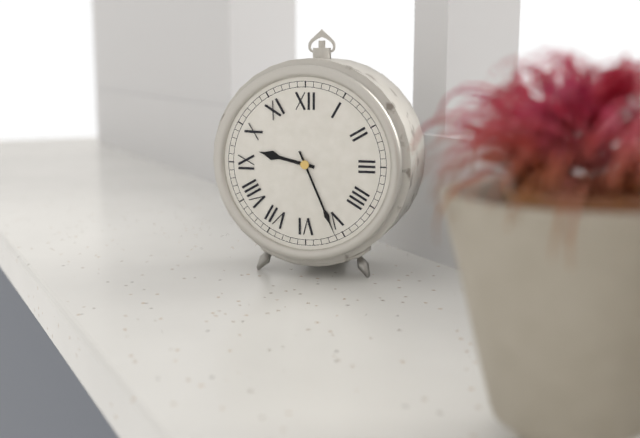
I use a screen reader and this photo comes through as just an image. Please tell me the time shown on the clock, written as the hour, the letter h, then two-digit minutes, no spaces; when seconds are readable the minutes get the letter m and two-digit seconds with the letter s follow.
9h26
